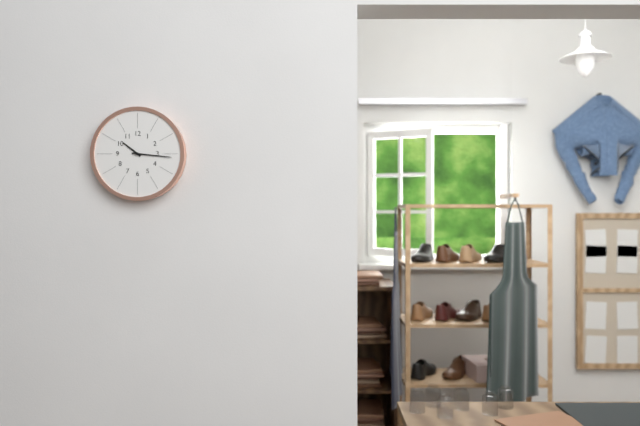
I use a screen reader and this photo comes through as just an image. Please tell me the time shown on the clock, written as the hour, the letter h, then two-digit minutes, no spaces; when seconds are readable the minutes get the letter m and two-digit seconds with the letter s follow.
10h16
